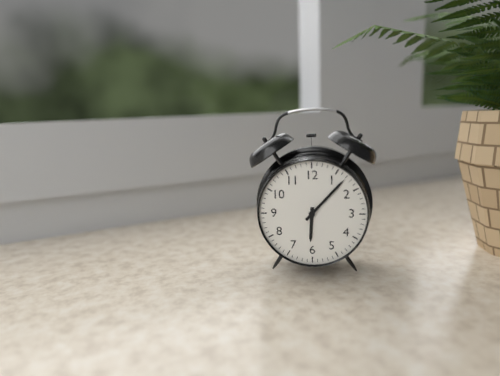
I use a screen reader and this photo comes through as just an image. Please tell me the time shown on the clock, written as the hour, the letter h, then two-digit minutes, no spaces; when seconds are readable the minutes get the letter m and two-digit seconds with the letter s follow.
6h07
